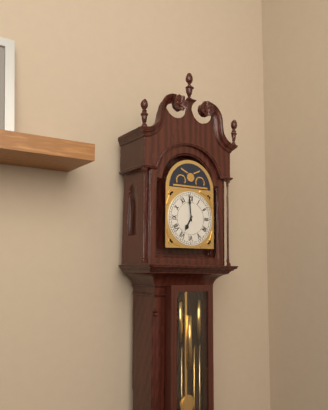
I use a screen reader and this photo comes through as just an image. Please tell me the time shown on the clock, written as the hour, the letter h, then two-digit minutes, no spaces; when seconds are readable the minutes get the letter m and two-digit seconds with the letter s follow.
6h59
